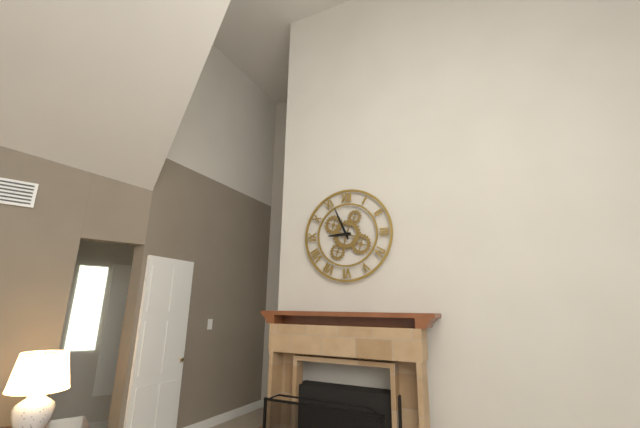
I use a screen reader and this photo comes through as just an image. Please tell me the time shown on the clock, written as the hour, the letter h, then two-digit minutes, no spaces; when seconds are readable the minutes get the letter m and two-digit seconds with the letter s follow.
8h56
